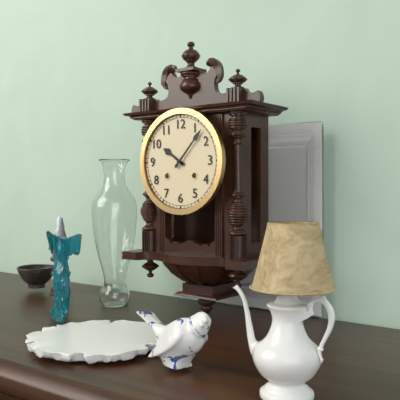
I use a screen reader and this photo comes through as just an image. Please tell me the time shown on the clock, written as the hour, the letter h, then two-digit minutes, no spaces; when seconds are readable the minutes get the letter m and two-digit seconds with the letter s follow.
10h07
